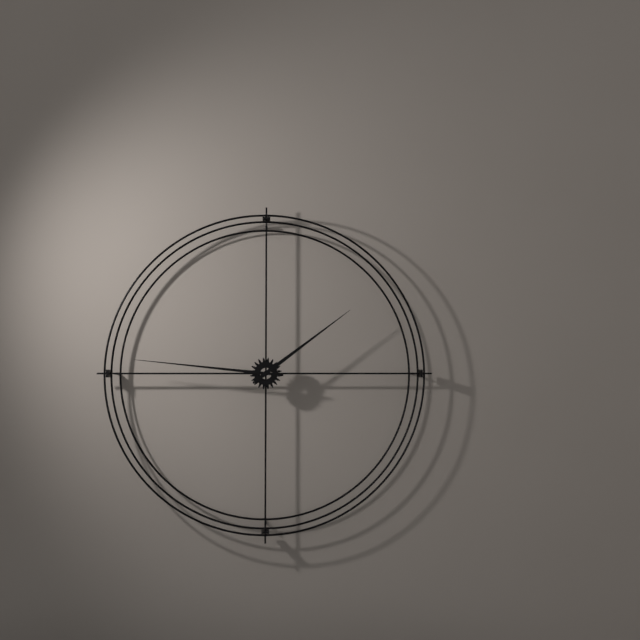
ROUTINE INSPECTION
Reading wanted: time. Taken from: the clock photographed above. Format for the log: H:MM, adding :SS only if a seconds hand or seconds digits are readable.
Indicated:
1:46
